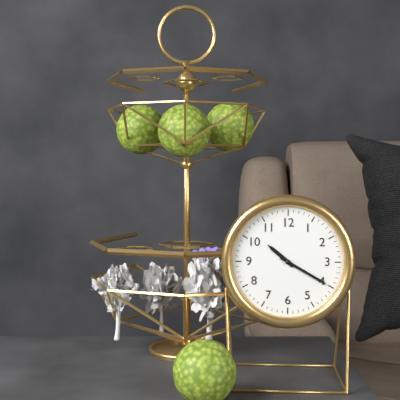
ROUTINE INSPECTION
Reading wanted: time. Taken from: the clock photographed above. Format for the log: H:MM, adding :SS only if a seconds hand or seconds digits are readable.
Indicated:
10:20
